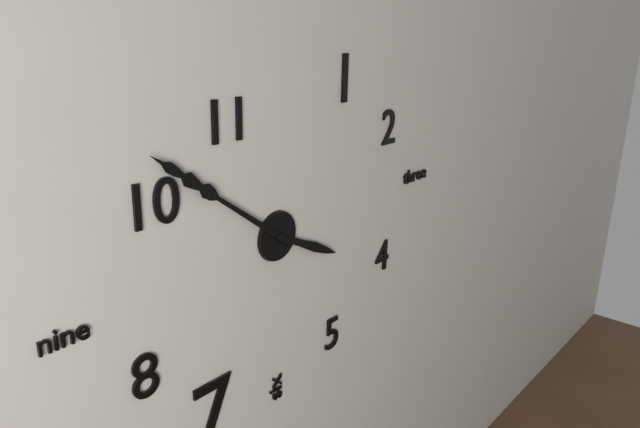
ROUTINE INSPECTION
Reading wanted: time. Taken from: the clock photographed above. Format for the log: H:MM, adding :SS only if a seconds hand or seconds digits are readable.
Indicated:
3:51
